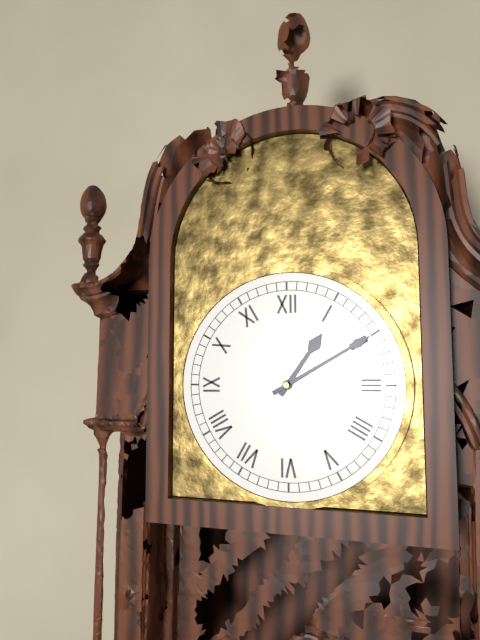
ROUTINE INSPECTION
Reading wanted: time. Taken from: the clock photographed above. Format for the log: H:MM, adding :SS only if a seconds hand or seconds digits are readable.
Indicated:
1:10
